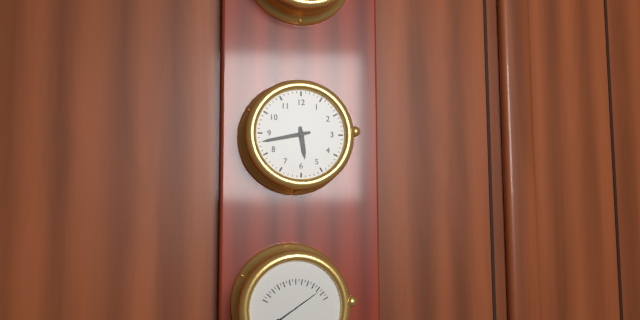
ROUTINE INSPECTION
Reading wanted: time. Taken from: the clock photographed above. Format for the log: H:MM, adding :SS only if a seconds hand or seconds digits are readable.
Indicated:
5:43
